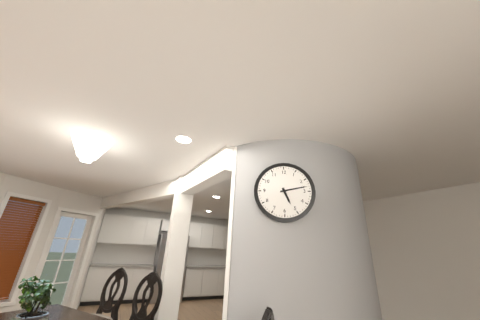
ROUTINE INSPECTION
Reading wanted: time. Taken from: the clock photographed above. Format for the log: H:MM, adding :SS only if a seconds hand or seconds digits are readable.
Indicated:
5:13
